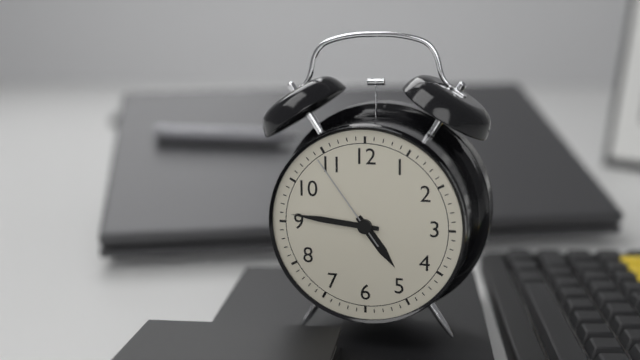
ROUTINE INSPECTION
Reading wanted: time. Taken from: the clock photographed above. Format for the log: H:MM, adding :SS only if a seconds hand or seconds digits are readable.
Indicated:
4:46:54
